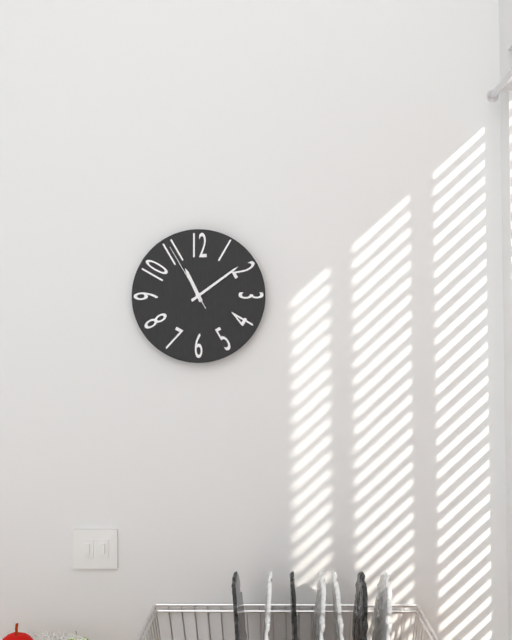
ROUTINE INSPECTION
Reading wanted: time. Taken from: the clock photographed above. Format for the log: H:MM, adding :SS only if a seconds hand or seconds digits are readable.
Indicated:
11:09:55
